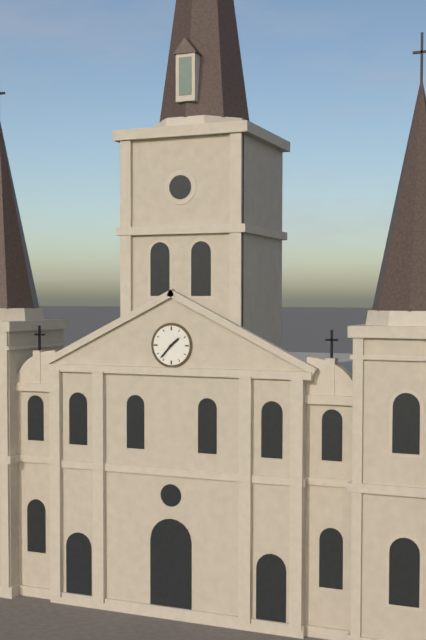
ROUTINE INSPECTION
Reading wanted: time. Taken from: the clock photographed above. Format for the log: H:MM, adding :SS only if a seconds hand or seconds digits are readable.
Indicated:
1:37
